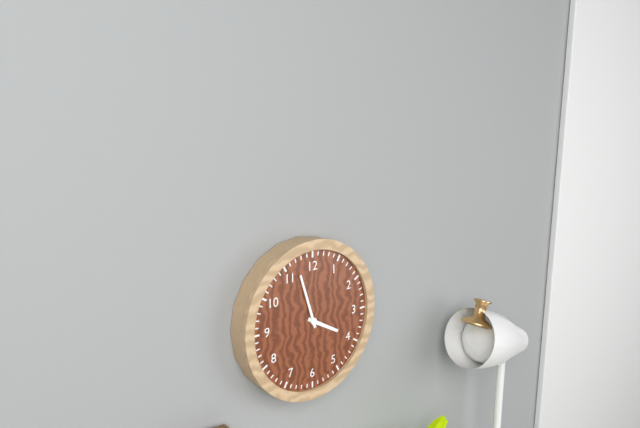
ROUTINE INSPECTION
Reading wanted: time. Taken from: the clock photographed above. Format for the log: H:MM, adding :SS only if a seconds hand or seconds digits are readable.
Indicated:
3:57
